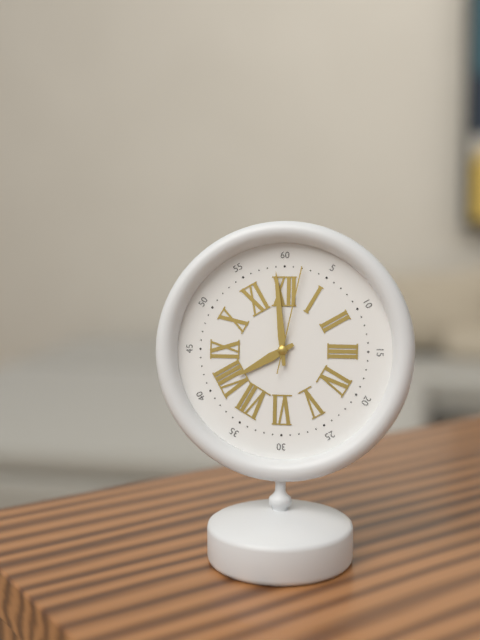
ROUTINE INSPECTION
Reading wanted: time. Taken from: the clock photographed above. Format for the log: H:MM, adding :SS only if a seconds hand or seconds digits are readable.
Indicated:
7:59:02
